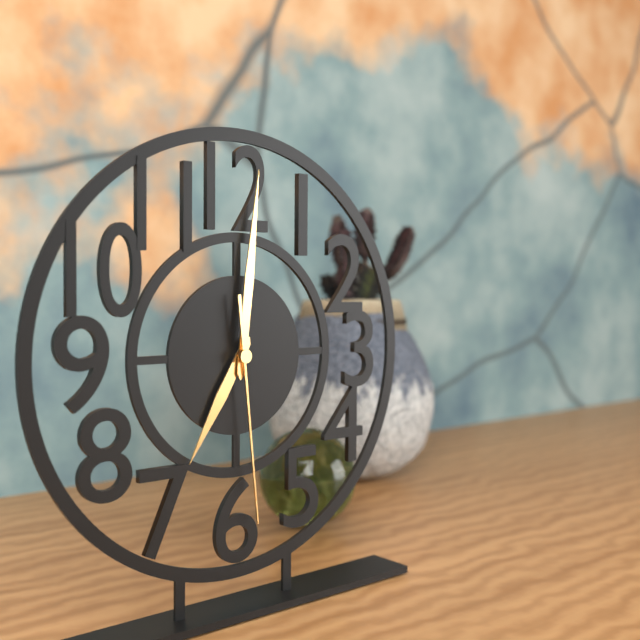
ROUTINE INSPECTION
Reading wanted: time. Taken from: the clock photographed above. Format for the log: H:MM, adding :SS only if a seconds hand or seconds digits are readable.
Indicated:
7:01:29
